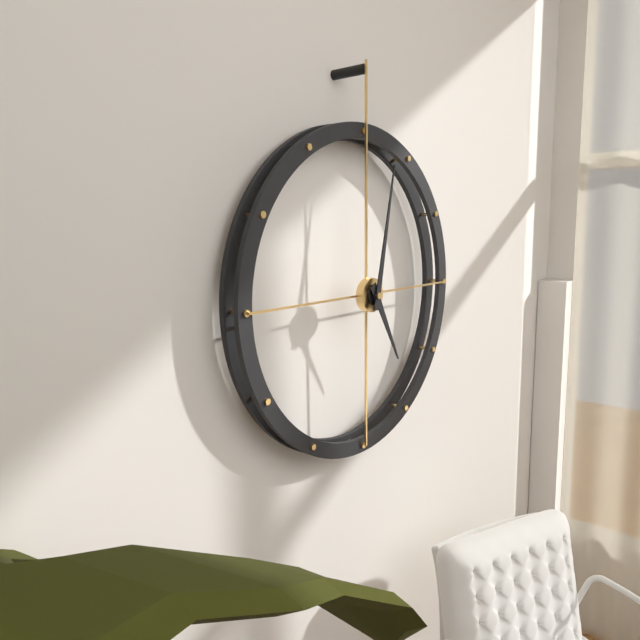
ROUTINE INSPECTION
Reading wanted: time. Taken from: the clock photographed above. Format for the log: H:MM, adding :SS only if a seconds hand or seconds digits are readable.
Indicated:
5:02
